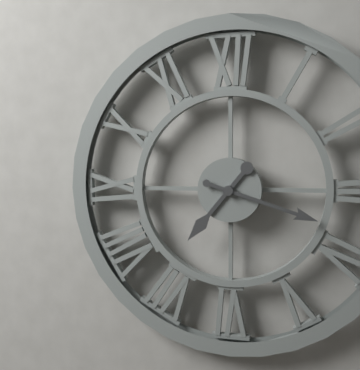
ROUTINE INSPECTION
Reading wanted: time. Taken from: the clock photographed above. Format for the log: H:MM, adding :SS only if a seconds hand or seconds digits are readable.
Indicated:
7:18
